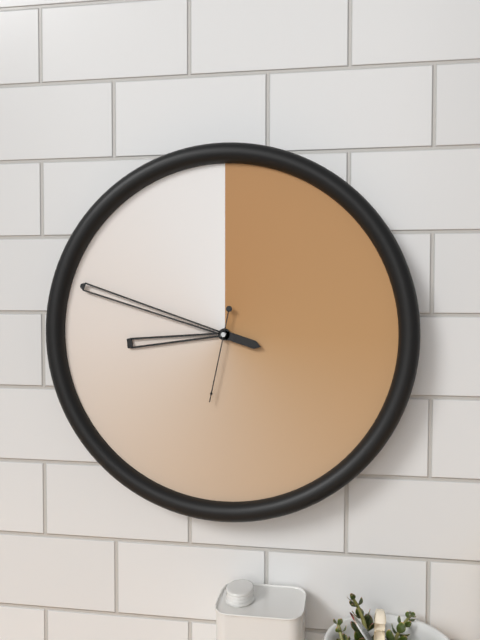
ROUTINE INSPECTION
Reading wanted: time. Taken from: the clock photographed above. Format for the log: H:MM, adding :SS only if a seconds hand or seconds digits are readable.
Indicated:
8:48:32
